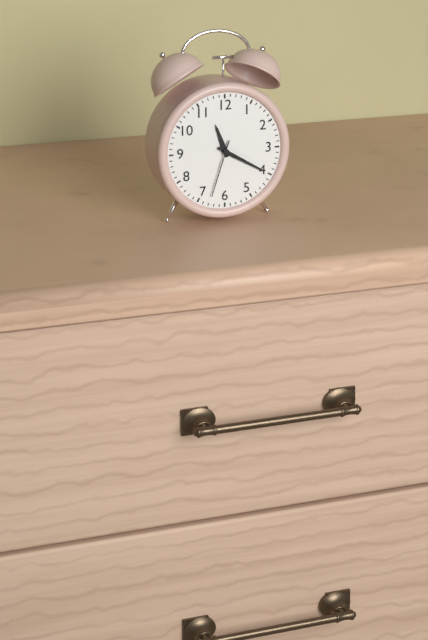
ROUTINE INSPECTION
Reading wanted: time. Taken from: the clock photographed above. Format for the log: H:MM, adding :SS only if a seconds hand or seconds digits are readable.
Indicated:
11:20:33
